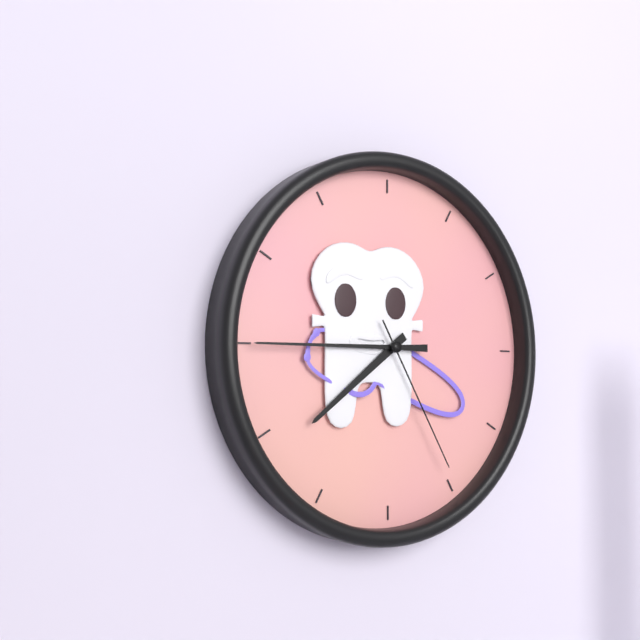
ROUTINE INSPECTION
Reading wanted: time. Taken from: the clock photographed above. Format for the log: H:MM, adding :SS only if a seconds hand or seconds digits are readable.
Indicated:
7:45:25
